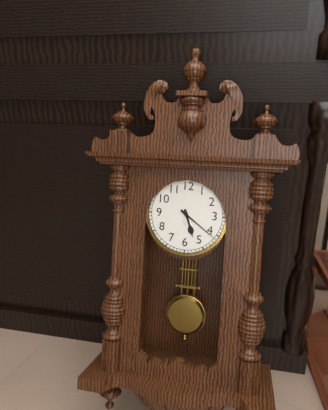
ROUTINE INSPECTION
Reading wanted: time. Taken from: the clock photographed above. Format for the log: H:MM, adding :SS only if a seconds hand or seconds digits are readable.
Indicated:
5:21
